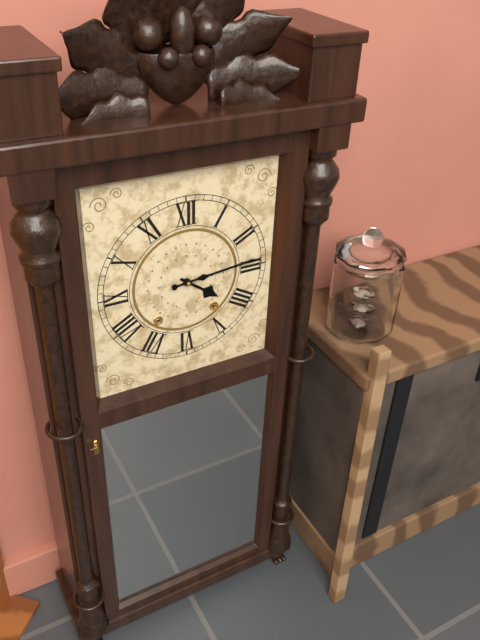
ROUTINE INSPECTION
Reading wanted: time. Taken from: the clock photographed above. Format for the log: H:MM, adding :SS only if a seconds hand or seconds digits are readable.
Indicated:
4:14
